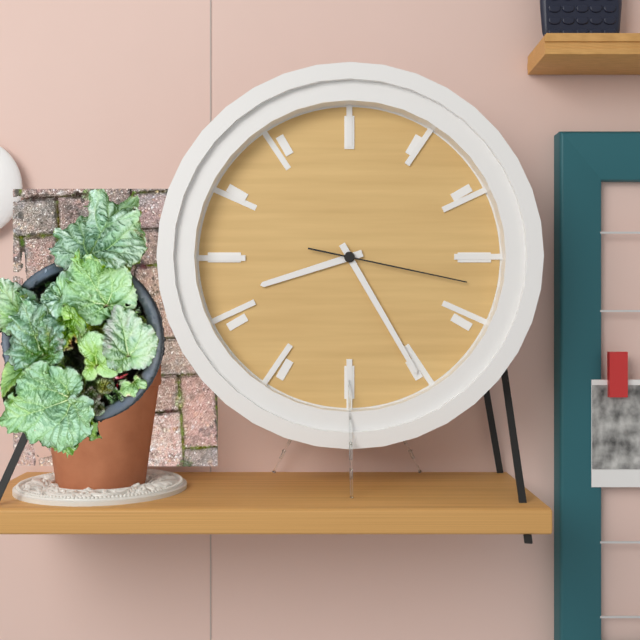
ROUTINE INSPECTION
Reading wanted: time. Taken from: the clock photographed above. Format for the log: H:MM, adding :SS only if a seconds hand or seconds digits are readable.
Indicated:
8:25:17
